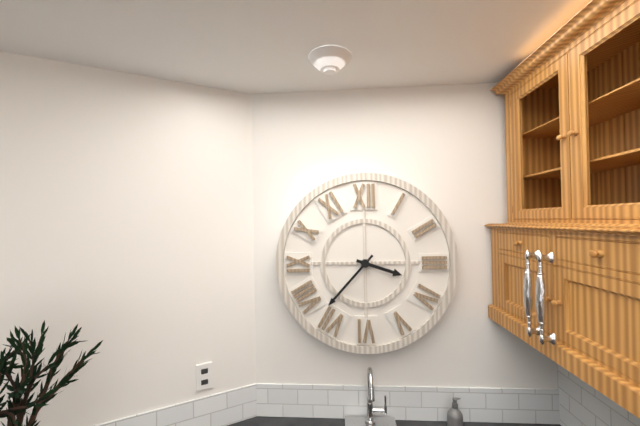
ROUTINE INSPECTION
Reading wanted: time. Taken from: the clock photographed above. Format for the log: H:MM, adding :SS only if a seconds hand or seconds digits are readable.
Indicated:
3:37
